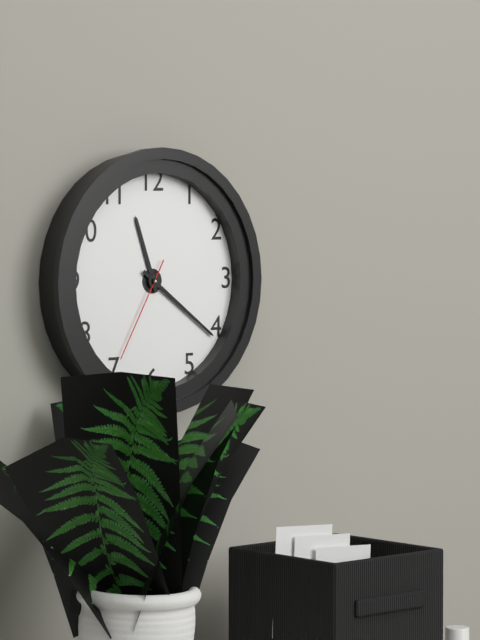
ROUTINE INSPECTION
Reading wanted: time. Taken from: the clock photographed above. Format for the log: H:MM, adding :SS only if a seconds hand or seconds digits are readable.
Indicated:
11:21:35
